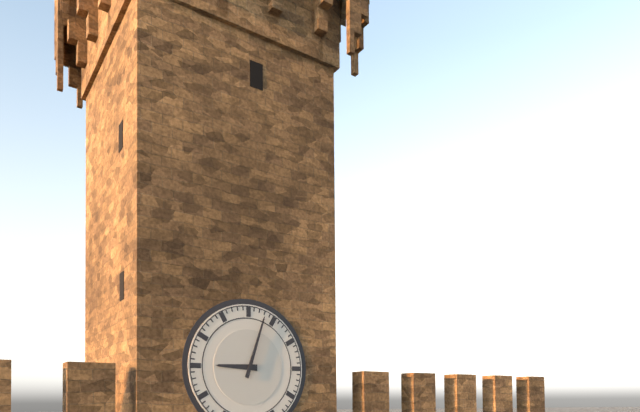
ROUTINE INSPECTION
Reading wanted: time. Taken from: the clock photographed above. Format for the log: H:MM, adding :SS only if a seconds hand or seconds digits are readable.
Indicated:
9:03
